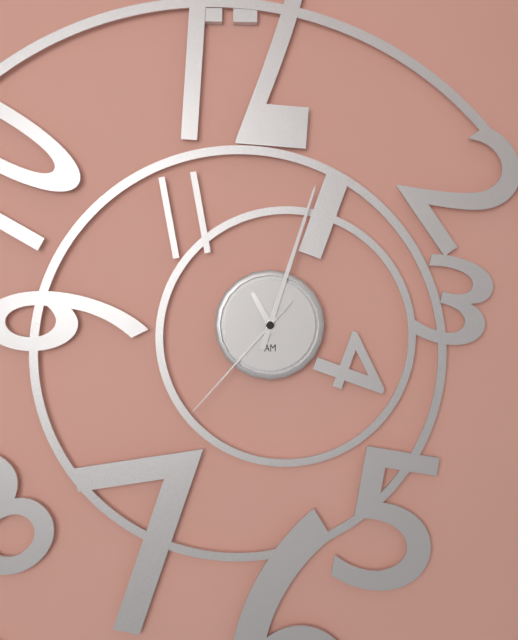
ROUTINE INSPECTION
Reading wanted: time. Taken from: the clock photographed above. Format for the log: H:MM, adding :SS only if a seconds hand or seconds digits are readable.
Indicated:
11:03:37
